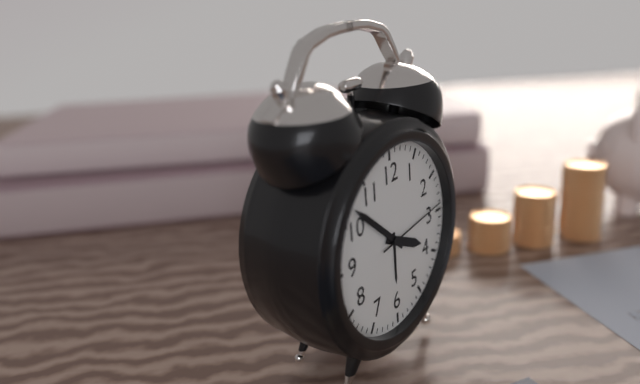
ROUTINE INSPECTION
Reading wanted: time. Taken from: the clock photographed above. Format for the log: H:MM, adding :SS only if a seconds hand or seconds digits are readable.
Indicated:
3:52:14
